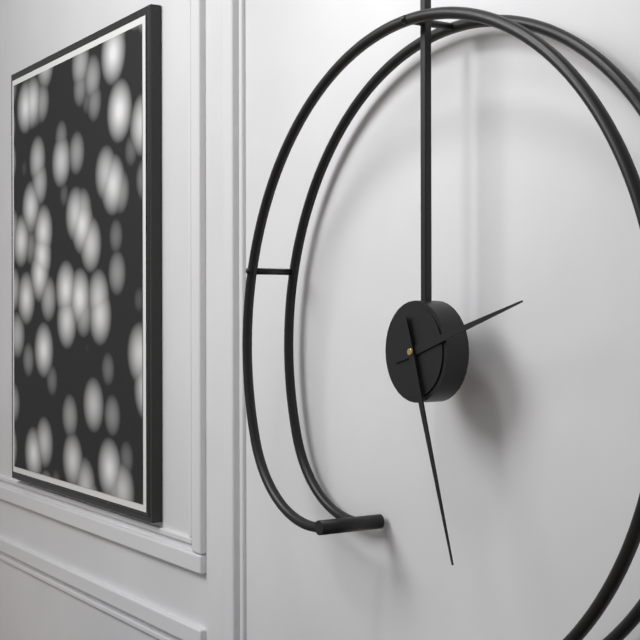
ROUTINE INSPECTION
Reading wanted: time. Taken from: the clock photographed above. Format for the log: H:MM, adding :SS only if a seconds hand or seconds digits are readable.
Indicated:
2:27
